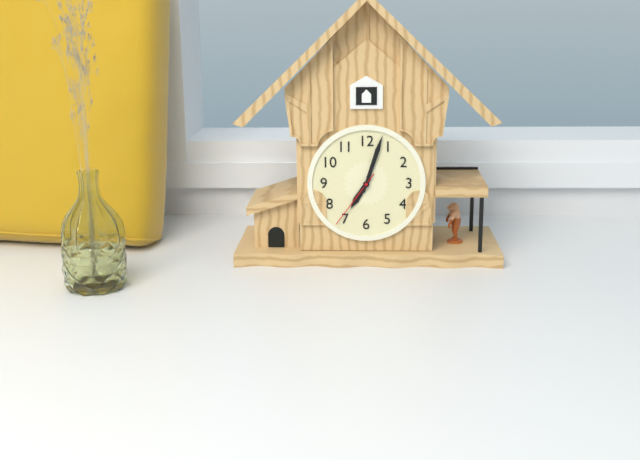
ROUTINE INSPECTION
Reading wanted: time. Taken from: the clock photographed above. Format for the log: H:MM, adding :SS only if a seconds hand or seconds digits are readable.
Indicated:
7:03:36
